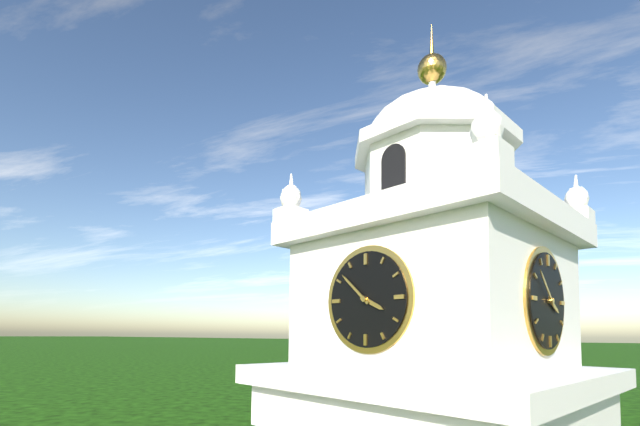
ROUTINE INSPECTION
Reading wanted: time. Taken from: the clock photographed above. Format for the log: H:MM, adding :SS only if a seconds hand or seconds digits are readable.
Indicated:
3:52
